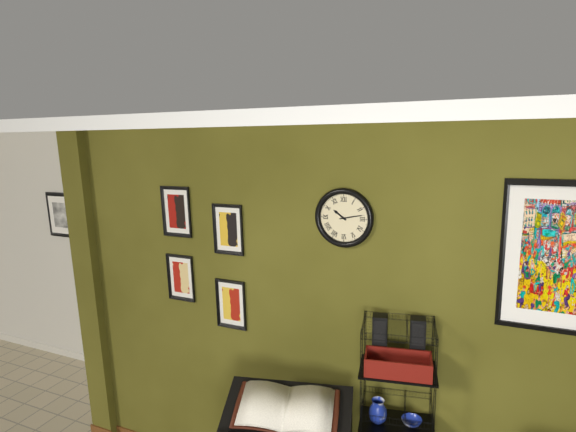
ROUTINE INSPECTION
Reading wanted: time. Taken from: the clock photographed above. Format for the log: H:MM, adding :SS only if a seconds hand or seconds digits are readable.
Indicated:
10:13
